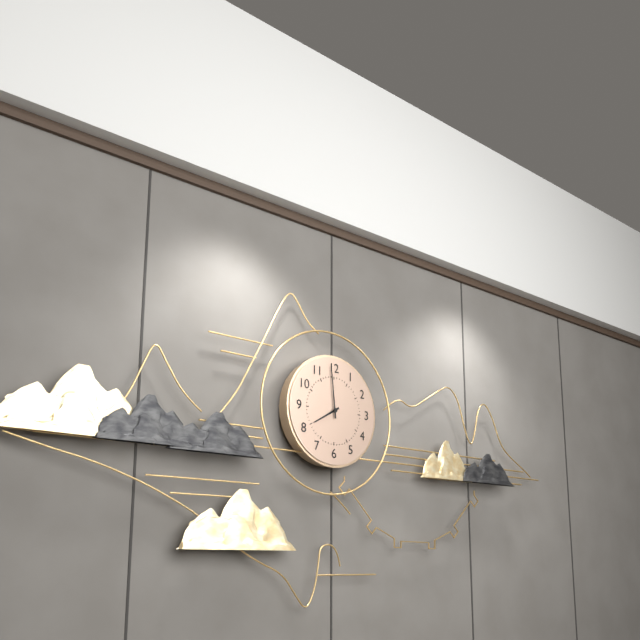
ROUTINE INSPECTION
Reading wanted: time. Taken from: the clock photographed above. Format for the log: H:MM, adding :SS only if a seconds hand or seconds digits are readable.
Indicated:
7:59
